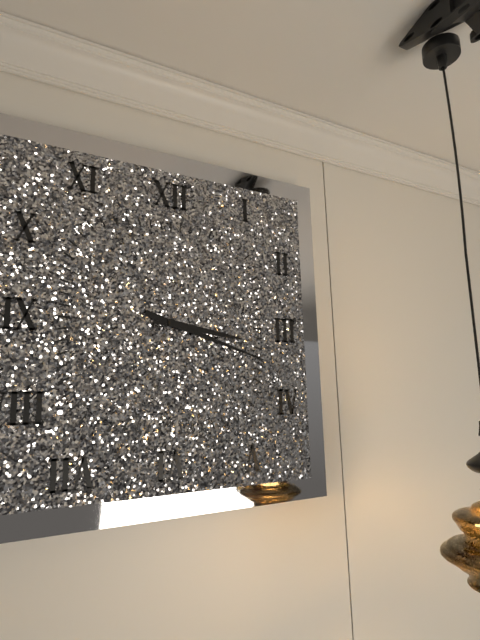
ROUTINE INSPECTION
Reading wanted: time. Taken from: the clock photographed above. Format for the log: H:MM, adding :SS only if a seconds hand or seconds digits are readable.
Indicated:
3:18
